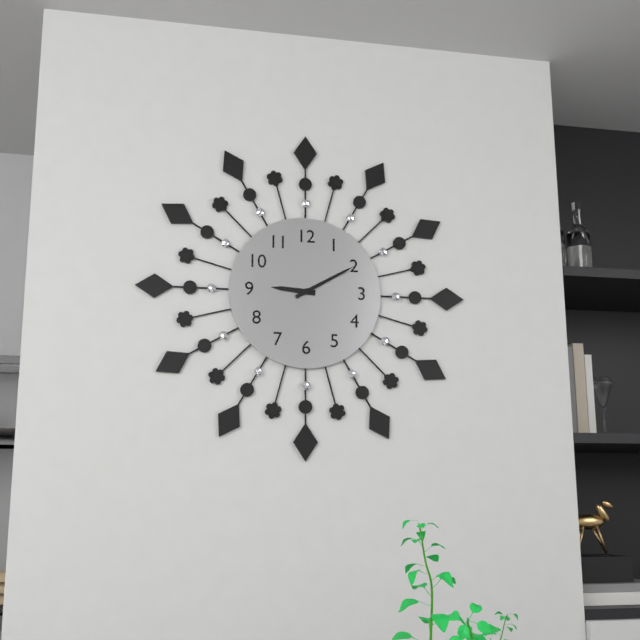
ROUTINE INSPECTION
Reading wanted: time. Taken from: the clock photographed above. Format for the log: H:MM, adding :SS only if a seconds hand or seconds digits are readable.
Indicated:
9:10
